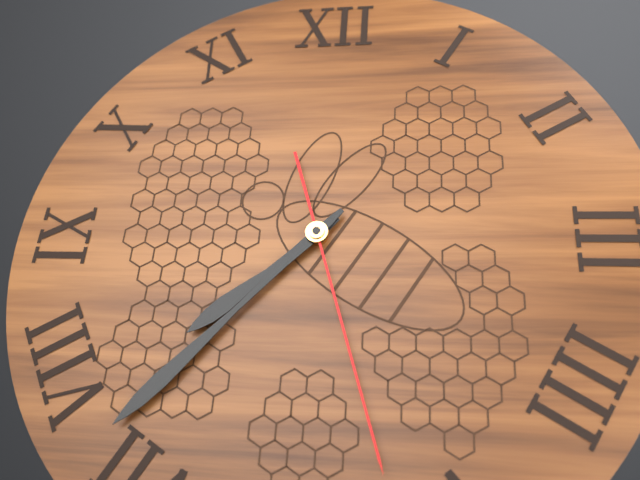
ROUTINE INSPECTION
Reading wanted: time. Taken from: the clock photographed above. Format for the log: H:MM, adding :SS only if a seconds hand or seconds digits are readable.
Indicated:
7:37:27
